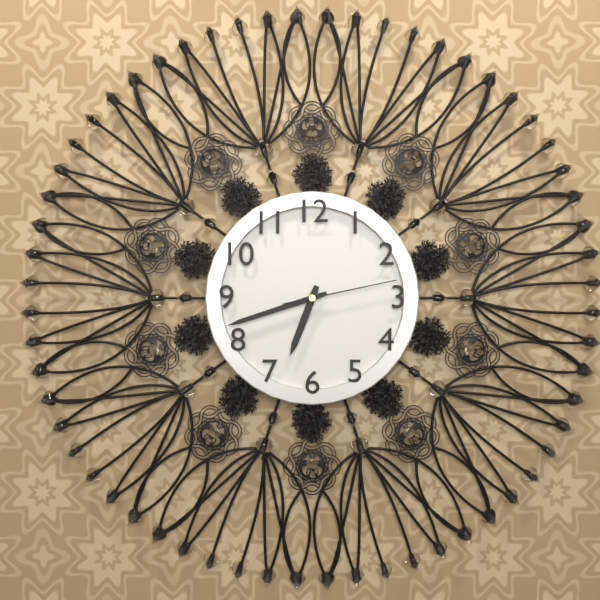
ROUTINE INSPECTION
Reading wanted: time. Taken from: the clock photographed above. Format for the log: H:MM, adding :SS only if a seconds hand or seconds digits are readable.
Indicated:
6:42:13
